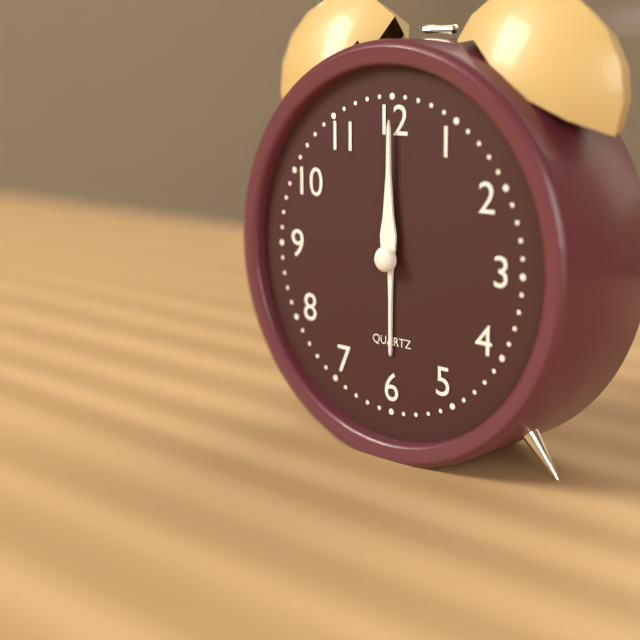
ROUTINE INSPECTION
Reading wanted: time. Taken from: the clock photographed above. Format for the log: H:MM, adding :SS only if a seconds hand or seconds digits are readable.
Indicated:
6:00
